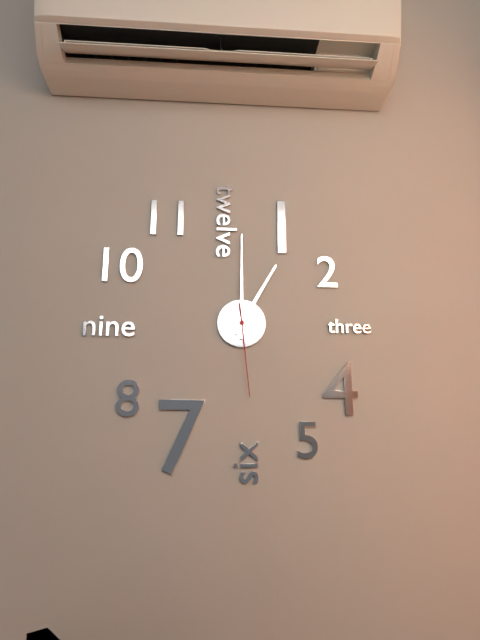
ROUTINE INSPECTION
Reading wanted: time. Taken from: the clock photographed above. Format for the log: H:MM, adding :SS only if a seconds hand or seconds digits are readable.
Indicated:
1:00:29
